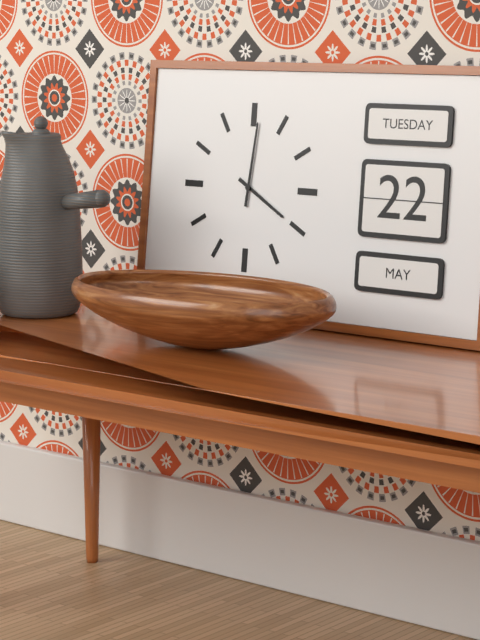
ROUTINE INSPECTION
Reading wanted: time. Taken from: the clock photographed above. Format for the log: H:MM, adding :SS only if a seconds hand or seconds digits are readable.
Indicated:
4:01
